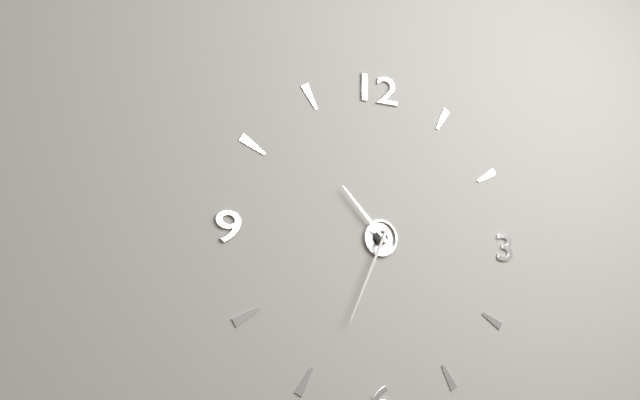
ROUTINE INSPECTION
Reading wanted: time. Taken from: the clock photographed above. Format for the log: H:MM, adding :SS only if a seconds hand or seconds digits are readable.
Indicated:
10:34
